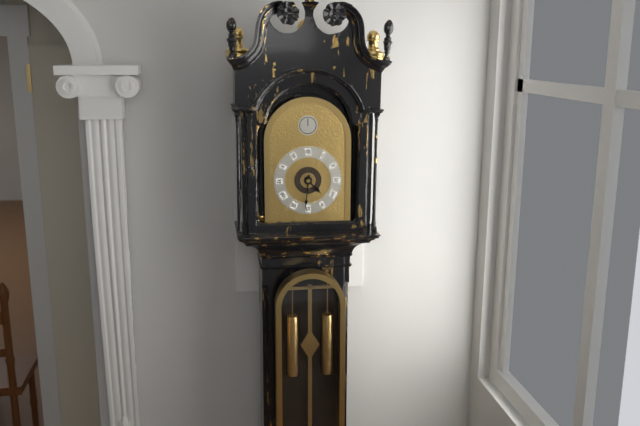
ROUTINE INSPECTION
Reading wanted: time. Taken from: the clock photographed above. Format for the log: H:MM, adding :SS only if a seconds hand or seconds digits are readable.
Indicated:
4:31
